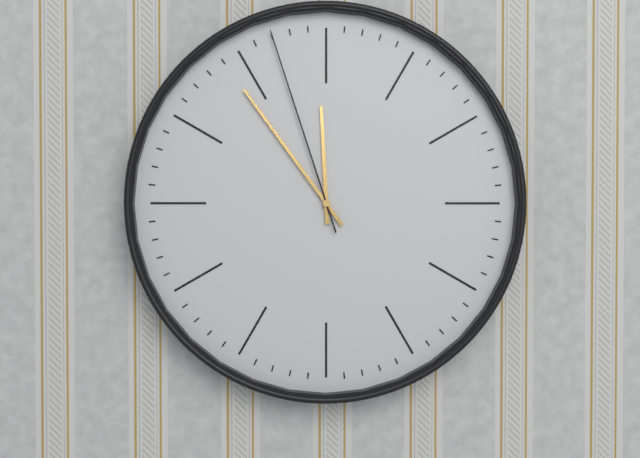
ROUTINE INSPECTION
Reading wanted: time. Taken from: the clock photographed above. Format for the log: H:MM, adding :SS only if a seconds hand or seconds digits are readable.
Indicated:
11:54:57
